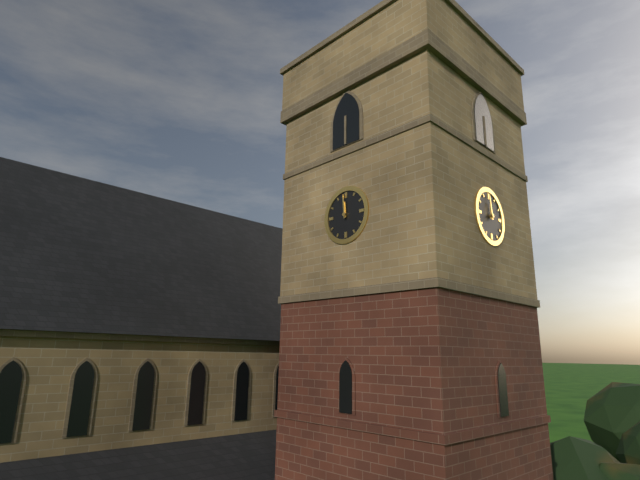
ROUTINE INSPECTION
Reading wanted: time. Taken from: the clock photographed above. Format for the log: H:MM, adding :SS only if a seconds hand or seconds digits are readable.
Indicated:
11:59
